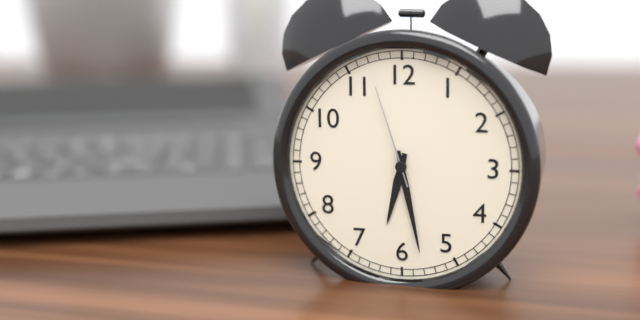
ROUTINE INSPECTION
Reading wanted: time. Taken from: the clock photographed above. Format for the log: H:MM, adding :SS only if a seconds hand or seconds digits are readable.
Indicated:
6:28:57
